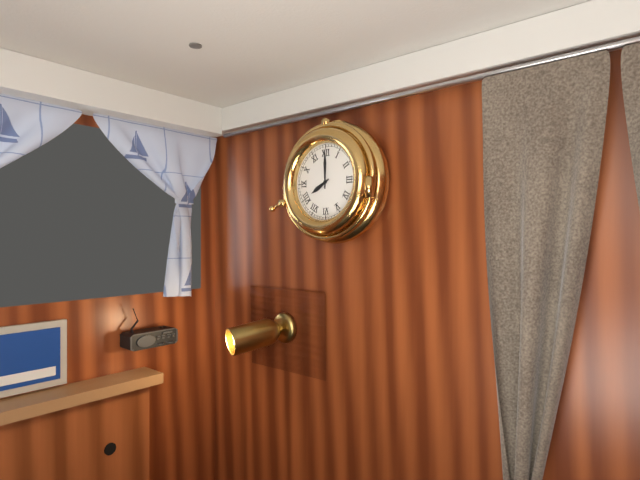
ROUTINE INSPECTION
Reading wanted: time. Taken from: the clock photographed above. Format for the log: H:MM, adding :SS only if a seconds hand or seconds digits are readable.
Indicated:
8:00
